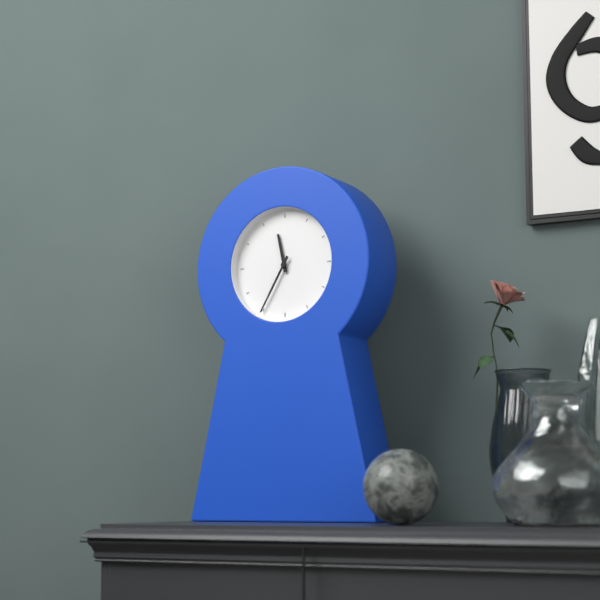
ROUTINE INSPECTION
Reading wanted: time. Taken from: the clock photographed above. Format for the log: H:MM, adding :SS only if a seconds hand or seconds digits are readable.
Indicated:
11:35
